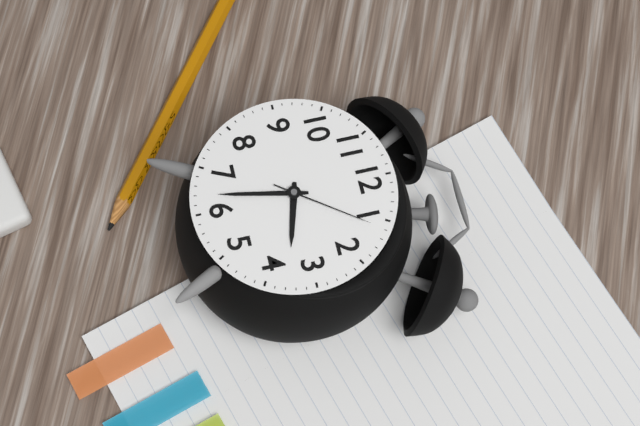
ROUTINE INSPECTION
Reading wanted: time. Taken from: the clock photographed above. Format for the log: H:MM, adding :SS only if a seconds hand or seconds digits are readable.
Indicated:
3:32:06
